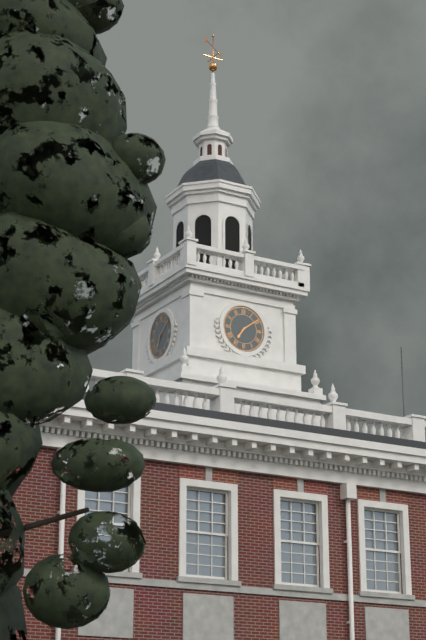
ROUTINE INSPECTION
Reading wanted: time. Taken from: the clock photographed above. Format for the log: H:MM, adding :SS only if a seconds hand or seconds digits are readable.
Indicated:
7:09
